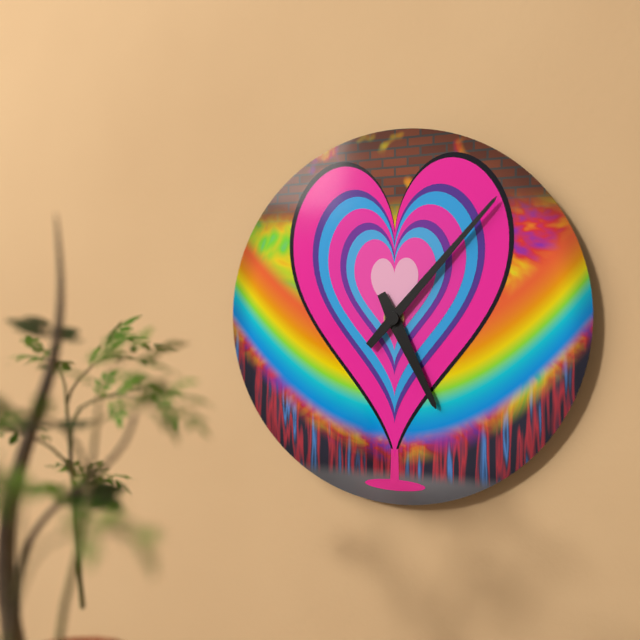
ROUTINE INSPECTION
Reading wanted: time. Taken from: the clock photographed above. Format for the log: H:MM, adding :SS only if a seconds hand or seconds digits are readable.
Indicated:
5:07
